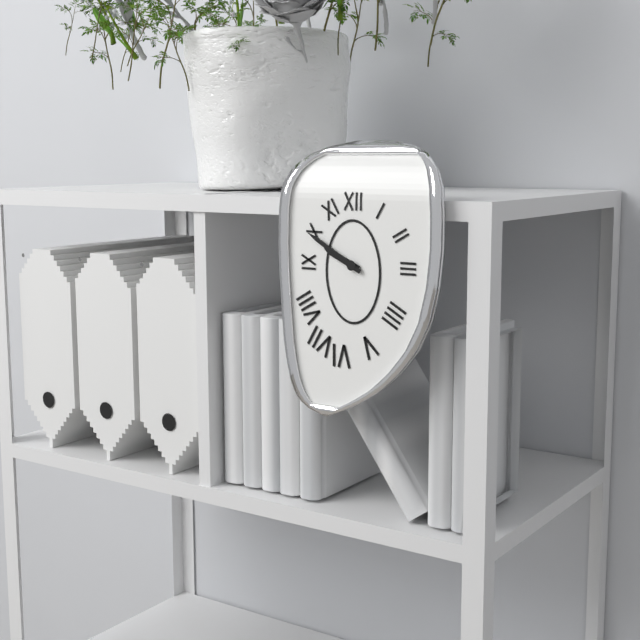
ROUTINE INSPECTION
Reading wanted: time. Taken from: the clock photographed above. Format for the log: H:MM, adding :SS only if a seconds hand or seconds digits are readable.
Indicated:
9:50
